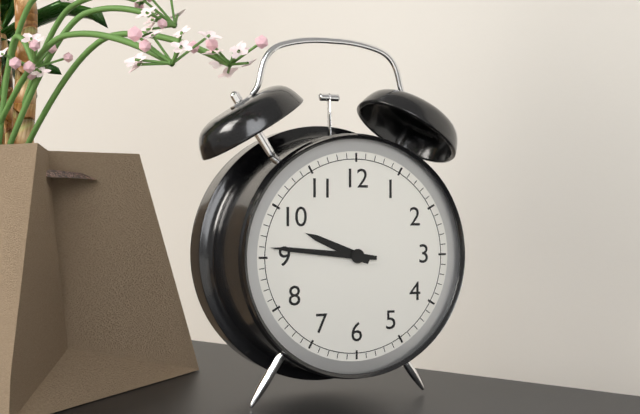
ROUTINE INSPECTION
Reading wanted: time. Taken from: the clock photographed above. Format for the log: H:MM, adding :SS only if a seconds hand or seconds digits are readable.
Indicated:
9:46
